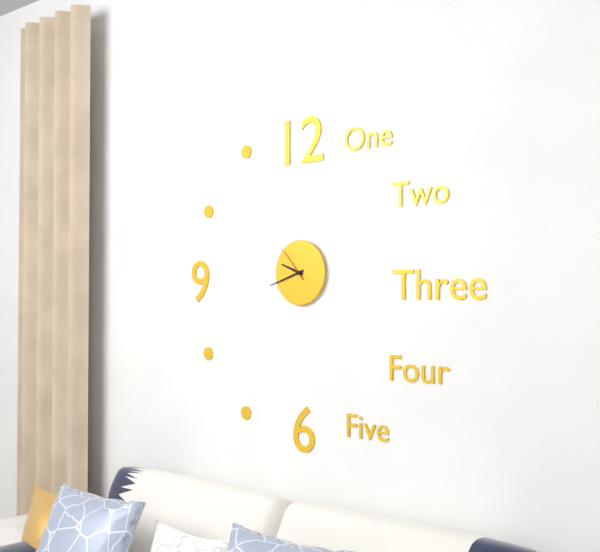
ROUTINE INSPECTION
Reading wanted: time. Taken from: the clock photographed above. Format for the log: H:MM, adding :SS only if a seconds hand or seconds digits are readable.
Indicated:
9:42
